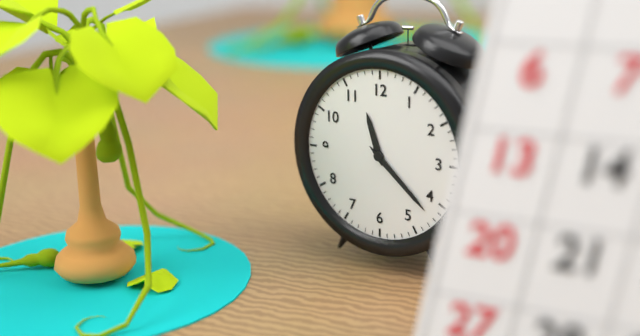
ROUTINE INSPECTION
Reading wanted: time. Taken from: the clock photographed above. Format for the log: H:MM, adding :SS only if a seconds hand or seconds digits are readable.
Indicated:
11:22
